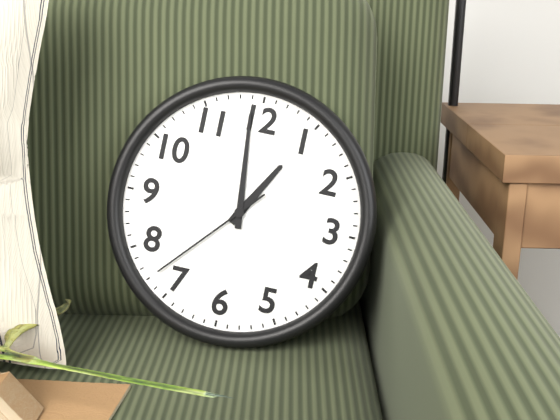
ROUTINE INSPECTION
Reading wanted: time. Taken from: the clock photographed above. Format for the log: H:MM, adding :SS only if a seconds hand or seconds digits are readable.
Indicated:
12:59:37
